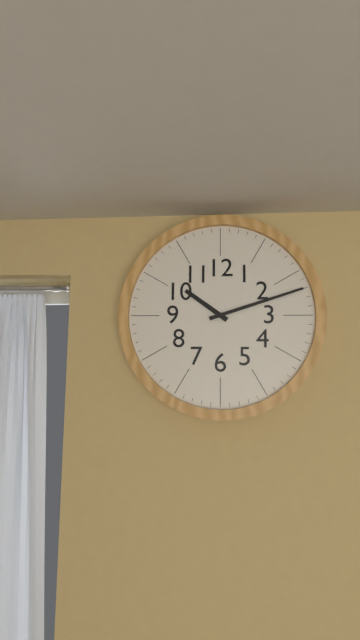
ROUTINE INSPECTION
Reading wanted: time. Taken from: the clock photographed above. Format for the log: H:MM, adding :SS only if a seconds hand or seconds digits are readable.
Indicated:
10:12
